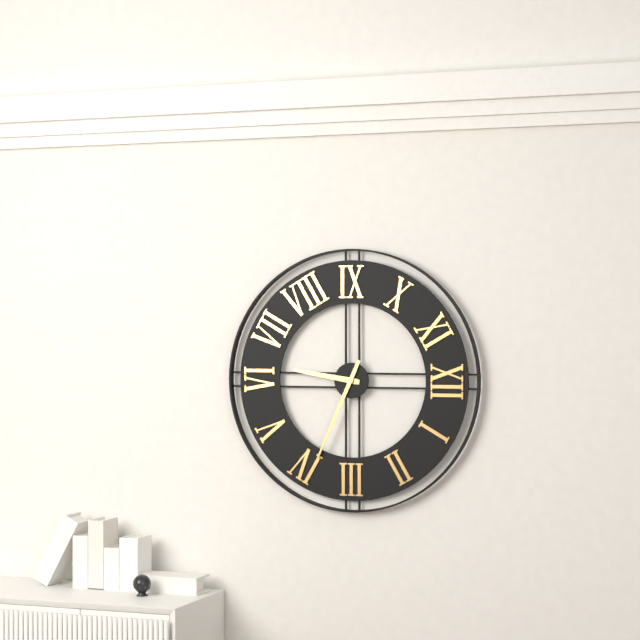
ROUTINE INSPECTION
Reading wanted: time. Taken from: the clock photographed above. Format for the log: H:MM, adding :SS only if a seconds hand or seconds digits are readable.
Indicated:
6:19
